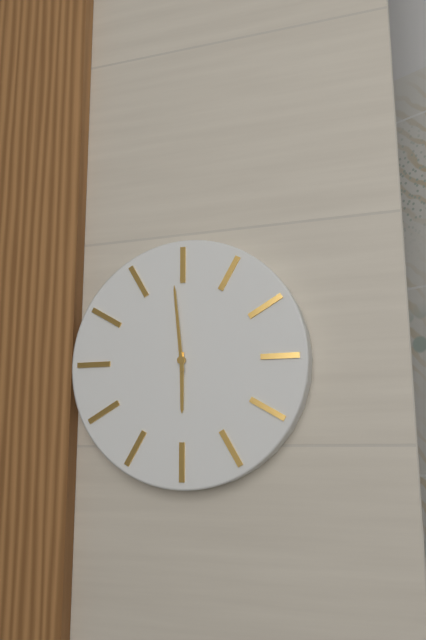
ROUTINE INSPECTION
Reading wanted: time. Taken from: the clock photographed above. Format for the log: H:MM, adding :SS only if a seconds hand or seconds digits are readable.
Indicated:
5:59
